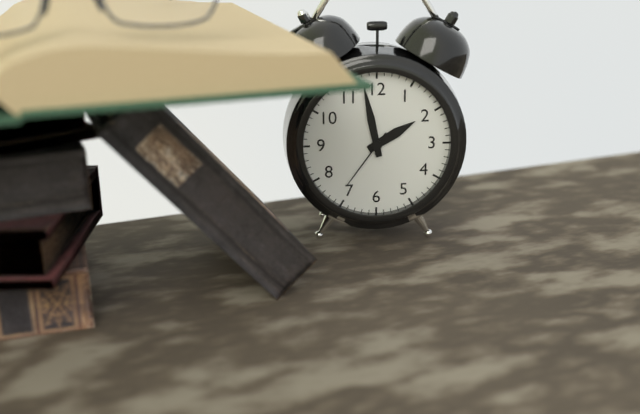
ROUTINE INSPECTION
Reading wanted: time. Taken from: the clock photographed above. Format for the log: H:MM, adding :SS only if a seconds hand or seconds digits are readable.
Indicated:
1:58:36
